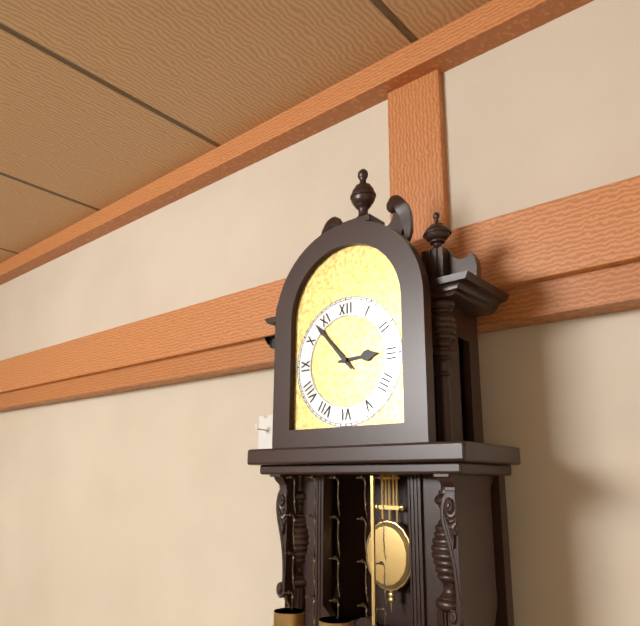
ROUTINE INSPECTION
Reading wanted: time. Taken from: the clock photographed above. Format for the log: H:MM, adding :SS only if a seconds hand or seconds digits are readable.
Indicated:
2:53
